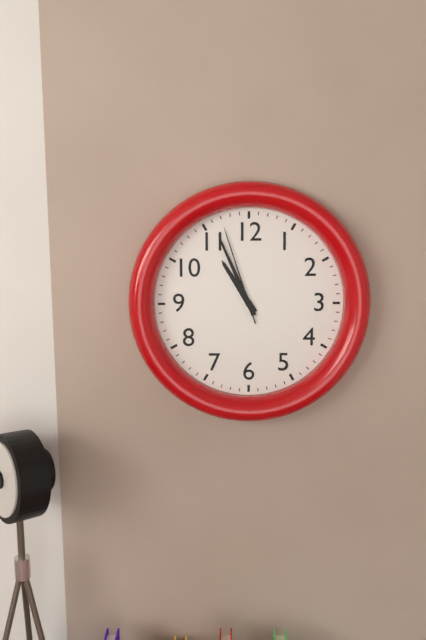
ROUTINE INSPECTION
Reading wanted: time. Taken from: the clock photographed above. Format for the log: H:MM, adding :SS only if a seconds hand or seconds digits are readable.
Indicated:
10:56:57
